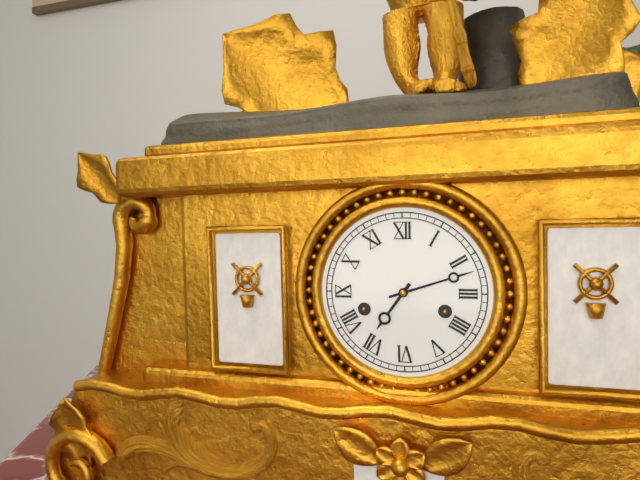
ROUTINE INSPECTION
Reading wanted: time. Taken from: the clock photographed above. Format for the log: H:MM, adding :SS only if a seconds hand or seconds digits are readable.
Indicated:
7:12
